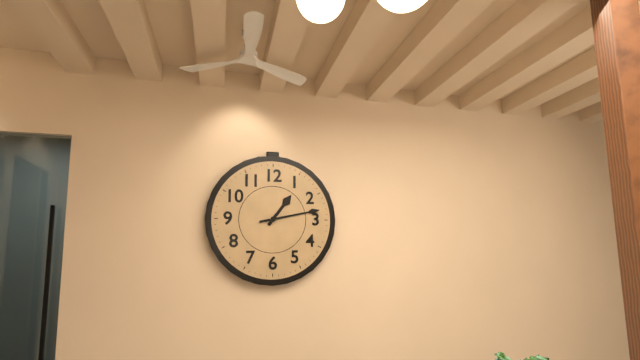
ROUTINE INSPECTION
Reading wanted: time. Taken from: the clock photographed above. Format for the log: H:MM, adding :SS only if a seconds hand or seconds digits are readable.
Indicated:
1:13
